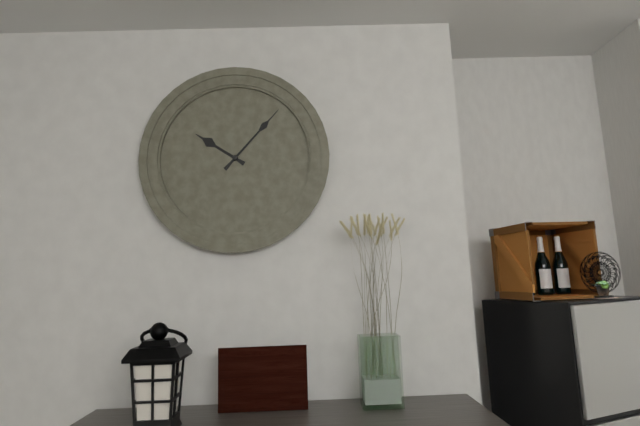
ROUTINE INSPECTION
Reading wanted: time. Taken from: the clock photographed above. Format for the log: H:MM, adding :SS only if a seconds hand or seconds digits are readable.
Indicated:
10:07
